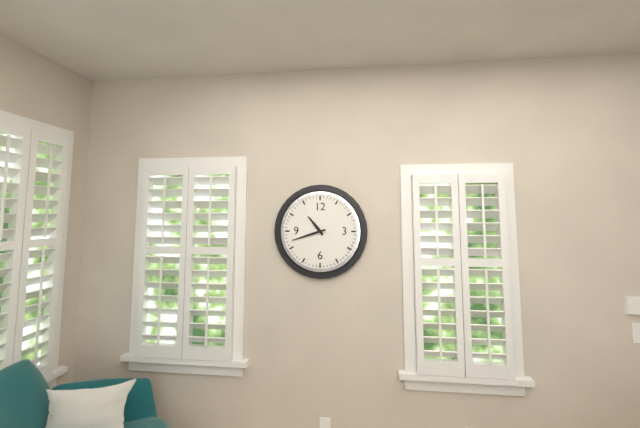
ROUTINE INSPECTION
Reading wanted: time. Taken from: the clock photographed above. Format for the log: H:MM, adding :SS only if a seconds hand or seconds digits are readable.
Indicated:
10:42
